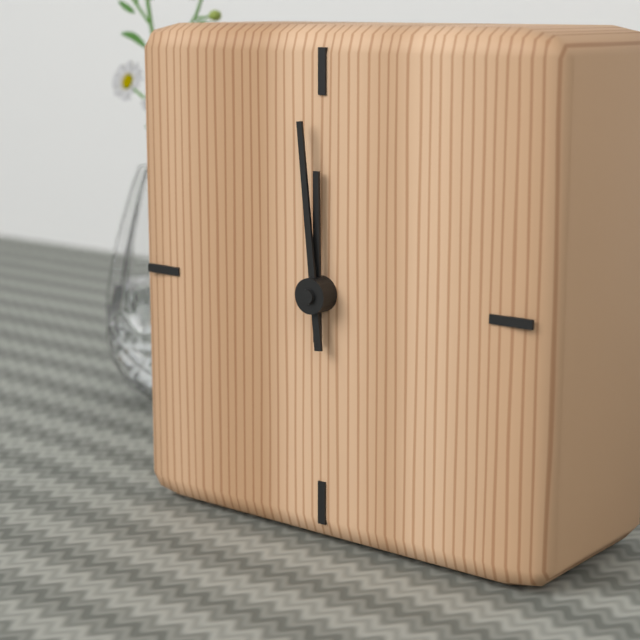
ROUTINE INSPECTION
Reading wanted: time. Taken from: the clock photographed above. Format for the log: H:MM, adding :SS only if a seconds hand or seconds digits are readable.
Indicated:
11:59
